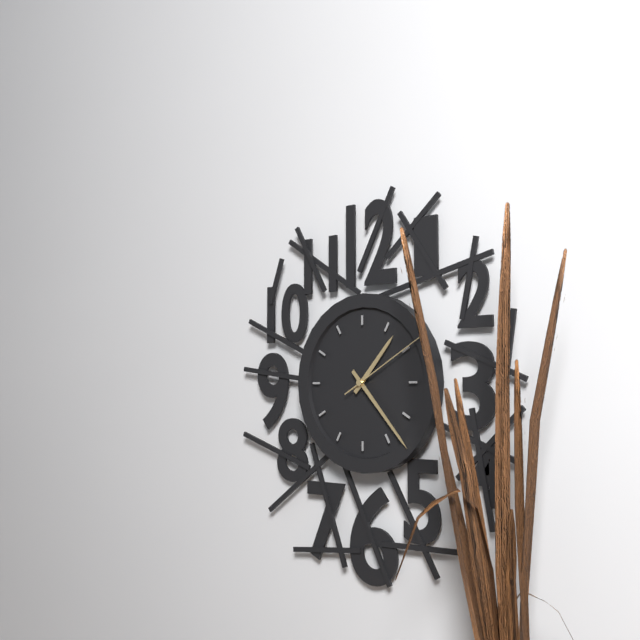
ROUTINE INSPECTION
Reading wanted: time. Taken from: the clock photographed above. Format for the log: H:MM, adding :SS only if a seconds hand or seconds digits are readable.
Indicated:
1:23:10
